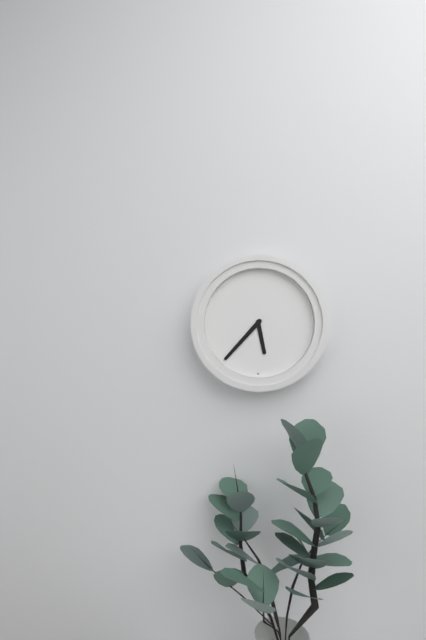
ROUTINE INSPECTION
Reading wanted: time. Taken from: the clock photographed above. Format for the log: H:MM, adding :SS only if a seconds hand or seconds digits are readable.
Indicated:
5:37
